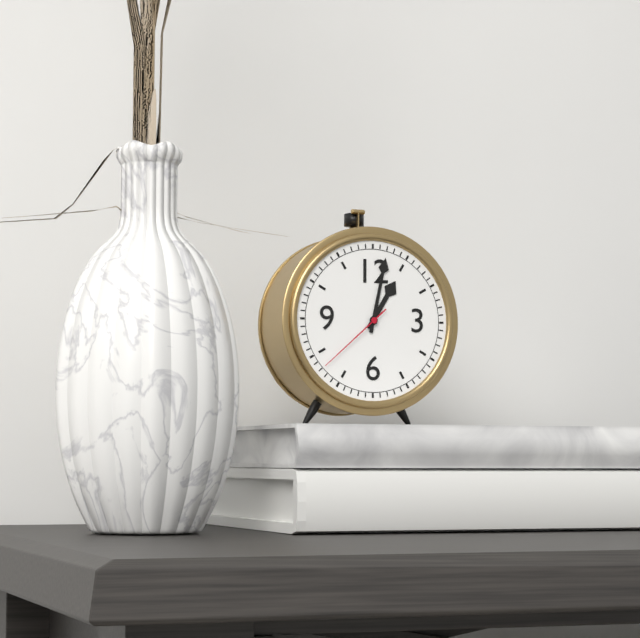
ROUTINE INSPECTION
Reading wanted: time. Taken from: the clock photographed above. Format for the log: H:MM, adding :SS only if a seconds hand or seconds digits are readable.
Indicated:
1:02:38
